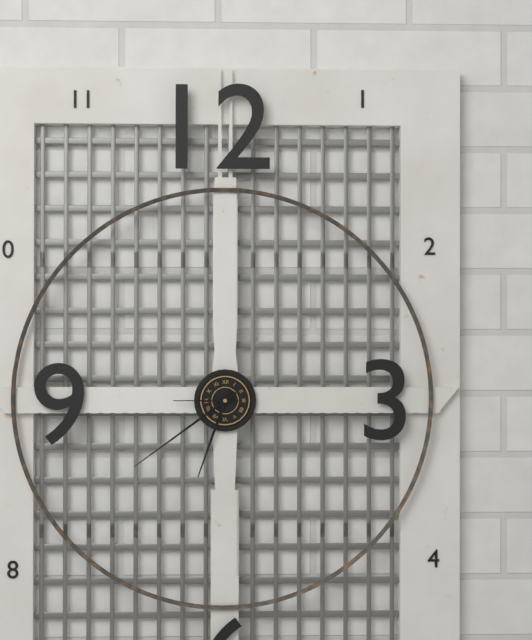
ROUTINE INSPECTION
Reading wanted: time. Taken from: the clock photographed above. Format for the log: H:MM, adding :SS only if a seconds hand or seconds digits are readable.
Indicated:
6:39:45
